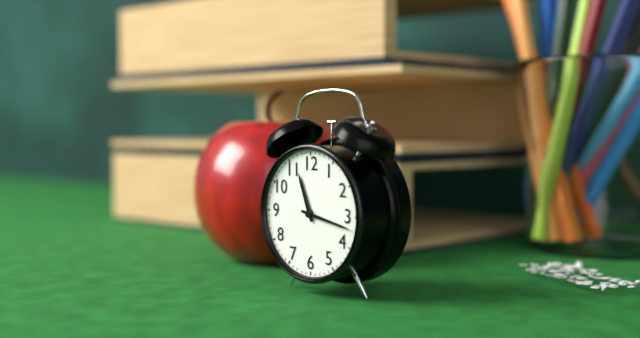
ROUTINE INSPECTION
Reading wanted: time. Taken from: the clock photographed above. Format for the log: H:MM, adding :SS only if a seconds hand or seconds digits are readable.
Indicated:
11:17
